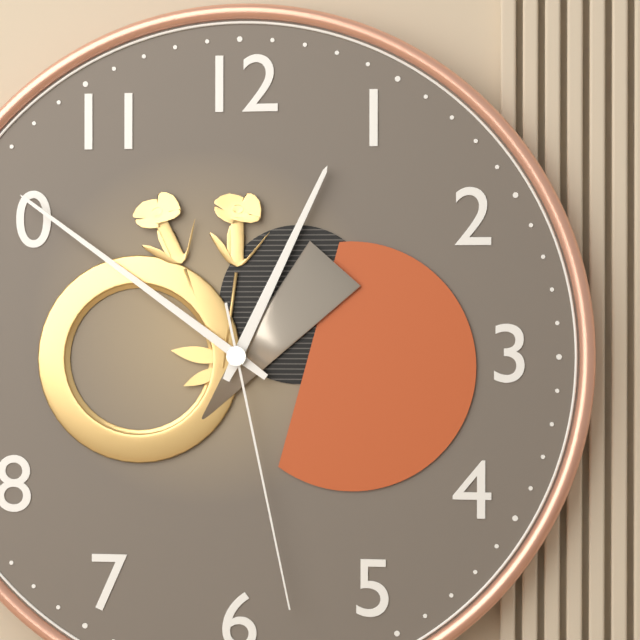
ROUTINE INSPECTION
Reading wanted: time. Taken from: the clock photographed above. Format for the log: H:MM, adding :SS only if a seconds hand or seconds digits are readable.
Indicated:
12:51:28
